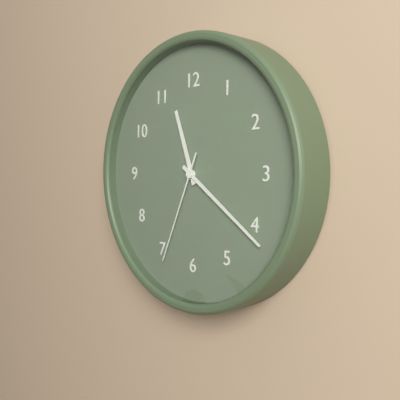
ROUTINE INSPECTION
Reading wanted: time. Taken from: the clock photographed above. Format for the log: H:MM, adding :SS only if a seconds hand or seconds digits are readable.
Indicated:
11:21:34
